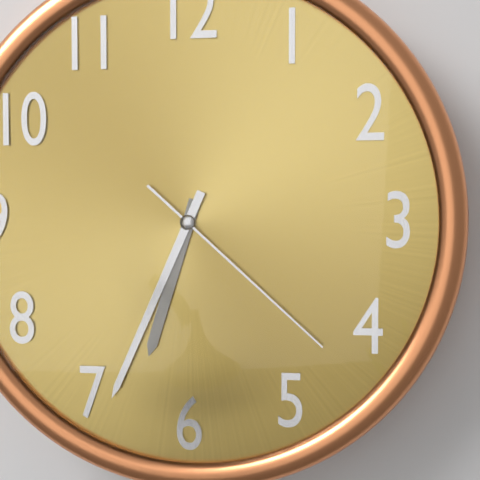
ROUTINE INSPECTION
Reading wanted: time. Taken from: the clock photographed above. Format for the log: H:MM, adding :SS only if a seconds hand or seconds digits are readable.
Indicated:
6:34:22
